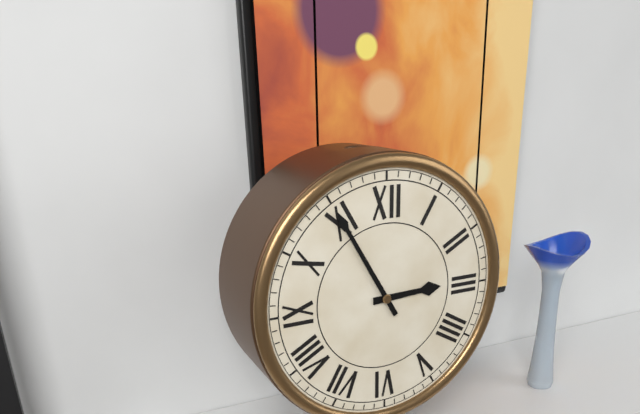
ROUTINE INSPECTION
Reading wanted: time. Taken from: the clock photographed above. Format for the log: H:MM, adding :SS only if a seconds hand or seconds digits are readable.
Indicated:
2:55
